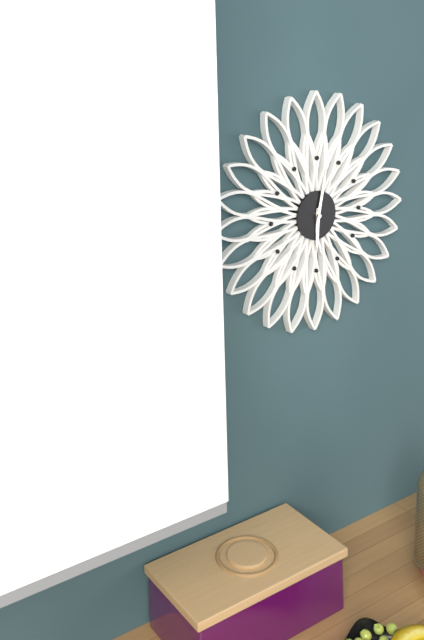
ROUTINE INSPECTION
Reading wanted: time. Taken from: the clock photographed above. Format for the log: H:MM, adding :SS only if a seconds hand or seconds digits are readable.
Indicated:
6:02
